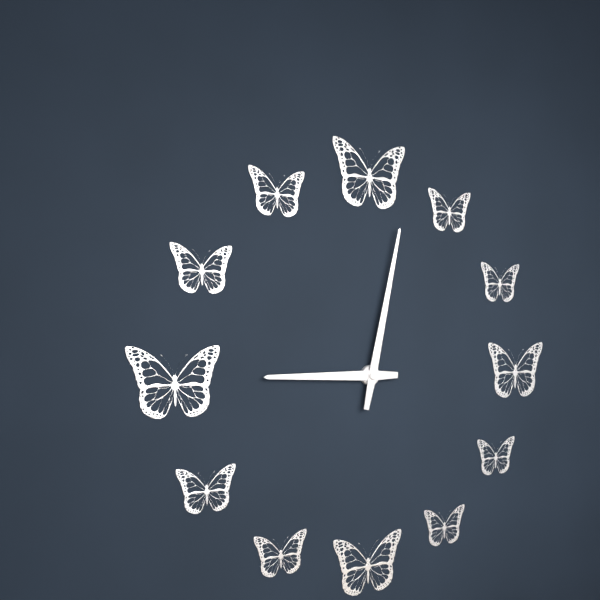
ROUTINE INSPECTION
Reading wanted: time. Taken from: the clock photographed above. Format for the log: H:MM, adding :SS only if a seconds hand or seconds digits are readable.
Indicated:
9:02
